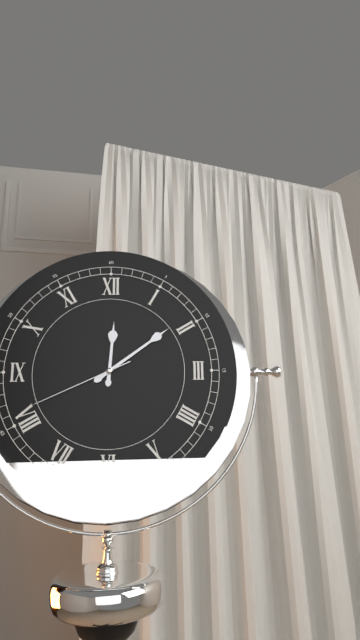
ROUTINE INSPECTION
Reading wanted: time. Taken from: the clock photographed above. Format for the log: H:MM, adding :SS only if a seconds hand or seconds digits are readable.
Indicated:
12:09:41
